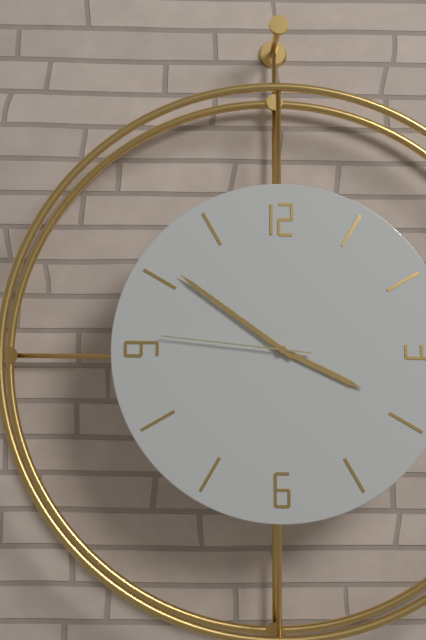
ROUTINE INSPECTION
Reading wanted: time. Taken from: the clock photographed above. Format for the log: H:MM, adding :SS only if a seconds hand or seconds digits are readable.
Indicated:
3:51:46
